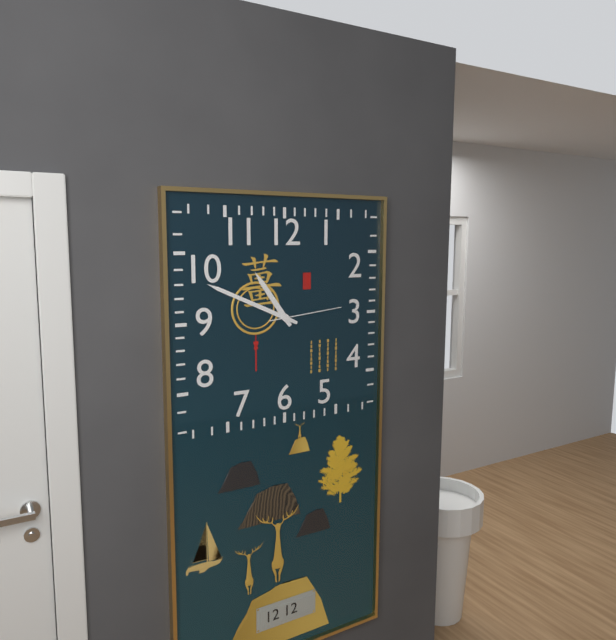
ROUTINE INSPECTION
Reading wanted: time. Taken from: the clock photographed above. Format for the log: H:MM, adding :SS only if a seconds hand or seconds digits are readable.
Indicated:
10:49:14
